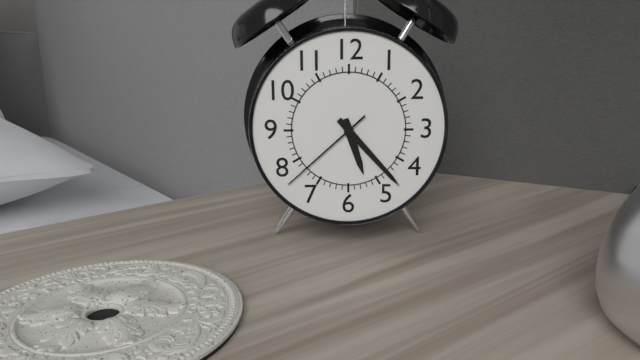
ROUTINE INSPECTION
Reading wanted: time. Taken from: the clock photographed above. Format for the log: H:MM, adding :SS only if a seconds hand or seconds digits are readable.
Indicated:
5:23:38
